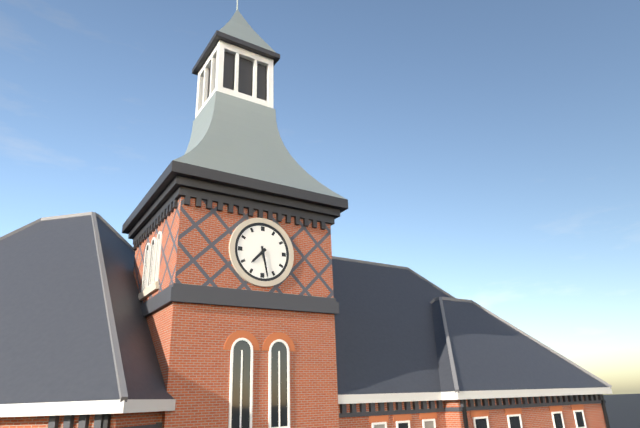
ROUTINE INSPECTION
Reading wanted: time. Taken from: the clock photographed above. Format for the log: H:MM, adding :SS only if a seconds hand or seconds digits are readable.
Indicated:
7:28
